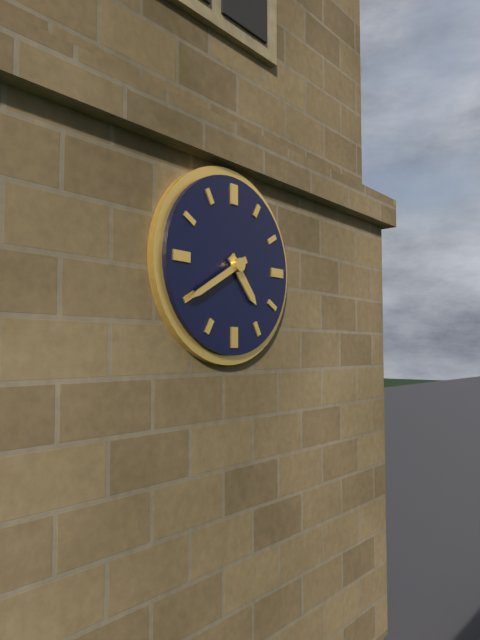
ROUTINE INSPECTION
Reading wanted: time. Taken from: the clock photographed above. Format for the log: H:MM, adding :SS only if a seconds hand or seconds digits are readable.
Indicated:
4:40
